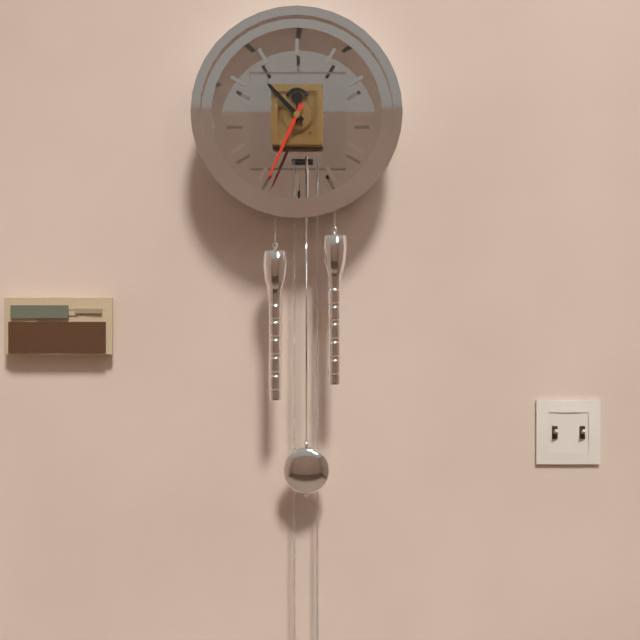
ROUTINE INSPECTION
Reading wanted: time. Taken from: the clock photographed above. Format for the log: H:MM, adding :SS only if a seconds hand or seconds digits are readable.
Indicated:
10:34
